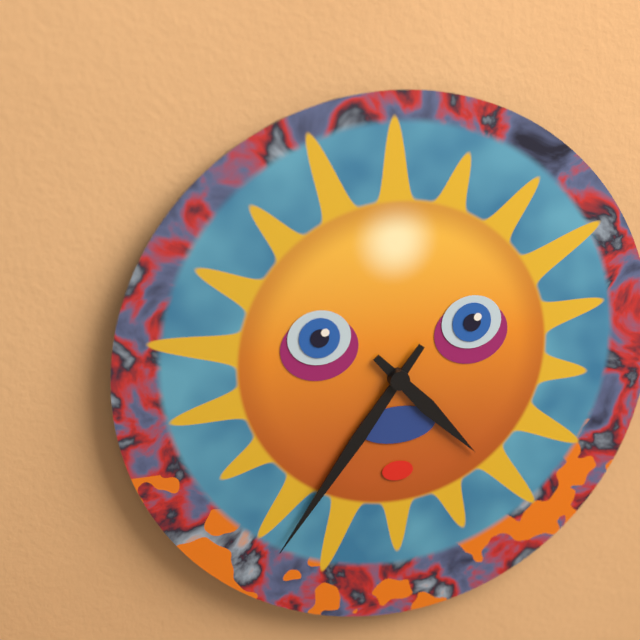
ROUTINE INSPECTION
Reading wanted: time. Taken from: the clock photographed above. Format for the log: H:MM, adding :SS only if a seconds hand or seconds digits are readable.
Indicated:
4:36
